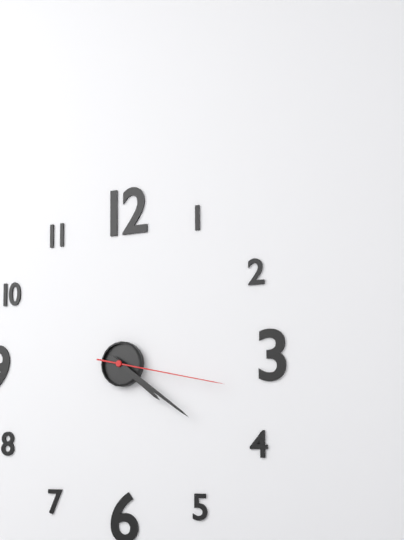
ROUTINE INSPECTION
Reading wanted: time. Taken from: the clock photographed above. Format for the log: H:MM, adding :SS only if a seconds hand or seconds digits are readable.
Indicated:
4:21:17
